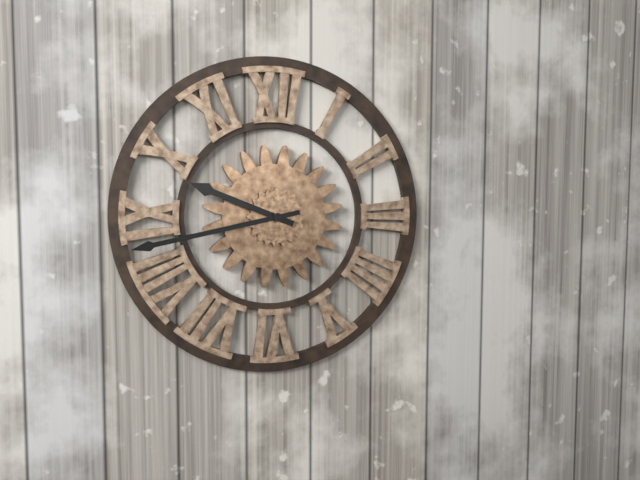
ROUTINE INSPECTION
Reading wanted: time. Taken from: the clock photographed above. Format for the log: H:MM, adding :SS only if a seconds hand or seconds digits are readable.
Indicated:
9:43
